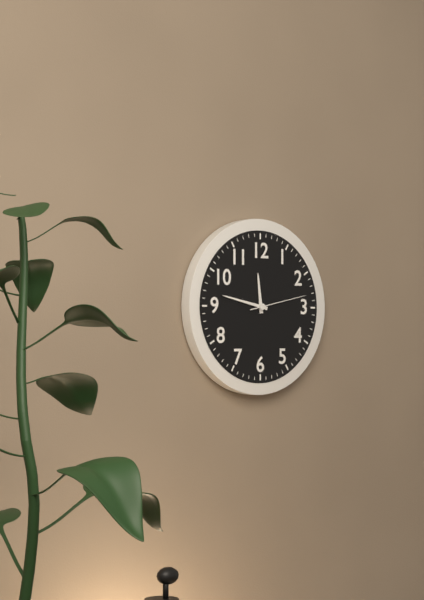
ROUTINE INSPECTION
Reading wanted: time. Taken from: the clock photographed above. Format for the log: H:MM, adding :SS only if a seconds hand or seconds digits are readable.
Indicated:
11:47:13
